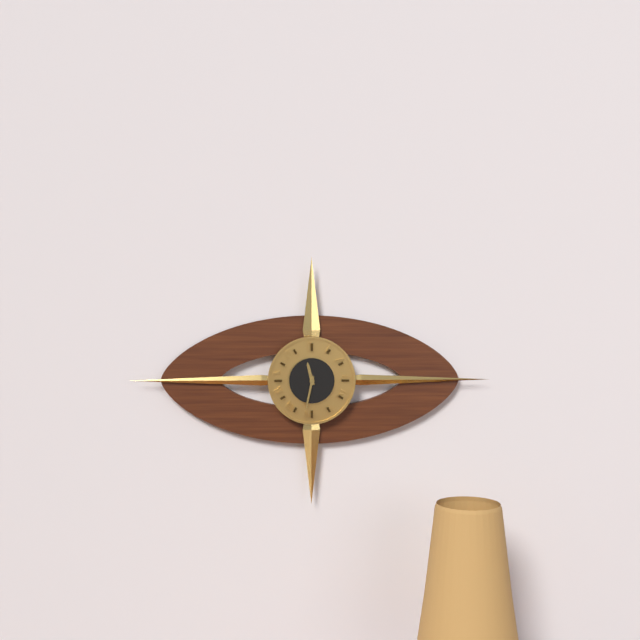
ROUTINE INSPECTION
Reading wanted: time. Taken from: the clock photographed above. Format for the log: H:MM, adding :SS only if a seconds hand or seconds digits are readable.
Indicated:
11:32
